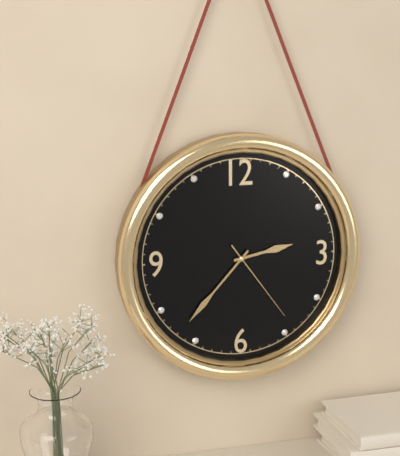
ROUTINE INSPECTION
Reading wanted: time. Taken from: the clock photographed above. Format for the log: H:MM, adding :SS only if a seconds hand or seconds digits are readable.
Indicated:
2:37:24
